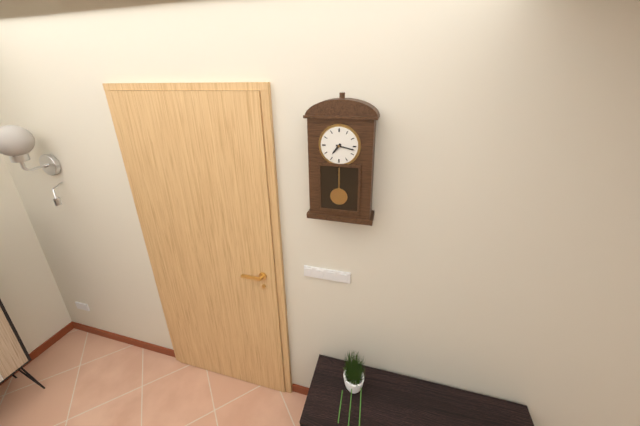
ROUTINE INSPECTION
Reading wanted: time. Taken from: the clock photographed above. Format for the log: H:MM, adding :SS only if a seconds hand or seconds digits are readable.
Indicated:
7:17
